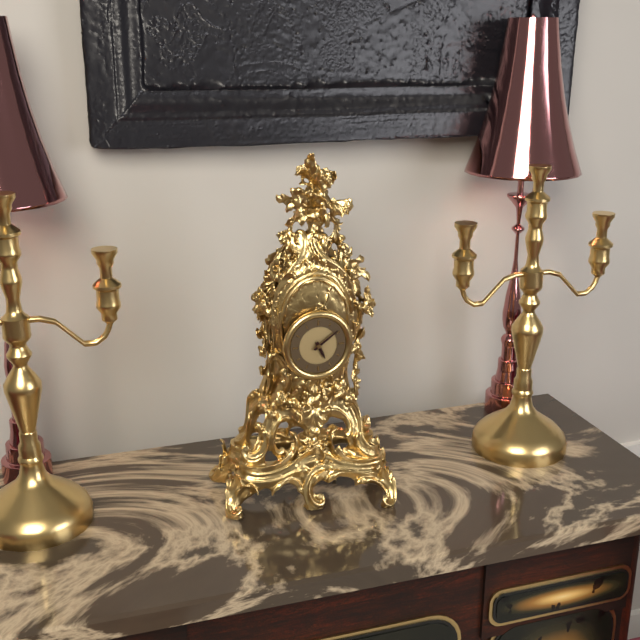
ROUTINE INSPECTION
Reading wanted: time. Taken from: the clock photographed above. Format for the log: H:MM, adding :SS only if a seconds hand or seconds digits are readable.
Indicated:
5:09
